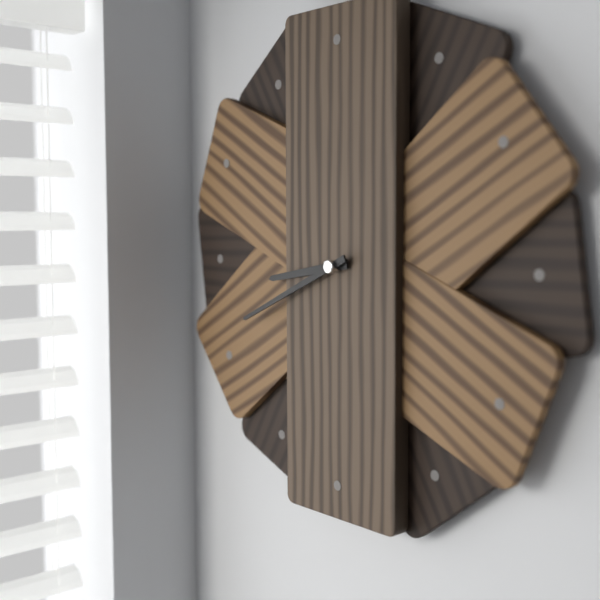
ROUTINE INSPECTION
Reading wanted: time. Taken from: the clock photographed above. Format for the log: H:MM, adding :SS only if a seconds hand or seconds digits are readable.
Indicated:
8:41
